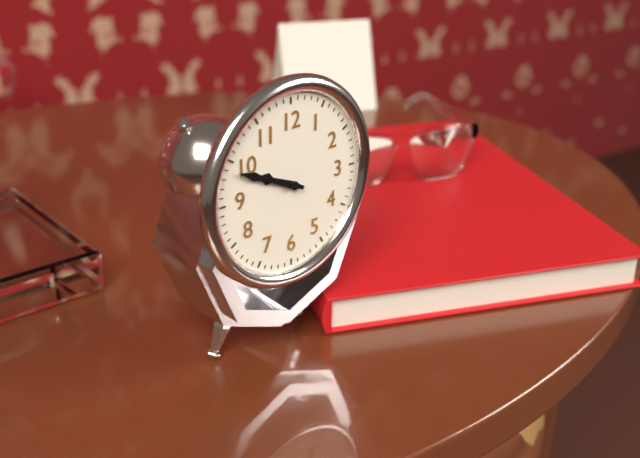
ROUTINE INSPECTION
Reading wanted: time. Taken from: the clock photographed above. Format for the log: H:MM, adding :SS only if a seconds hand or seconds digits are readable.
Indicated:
9:49
